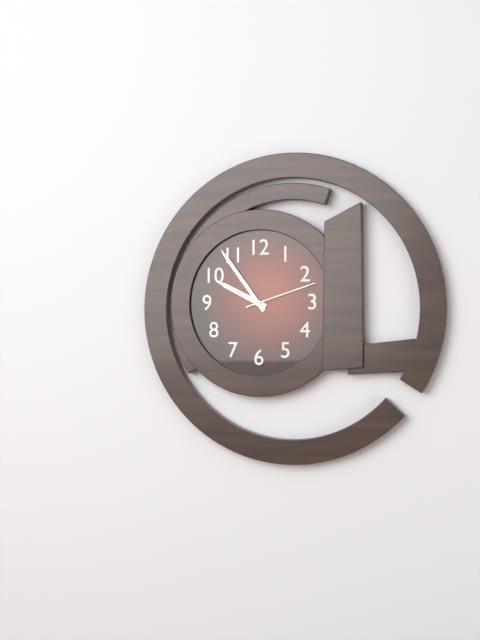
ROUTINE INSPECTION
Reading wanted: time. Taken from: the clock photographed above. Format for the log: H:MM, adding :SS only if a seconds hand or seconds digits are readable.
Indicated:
9:54:12
